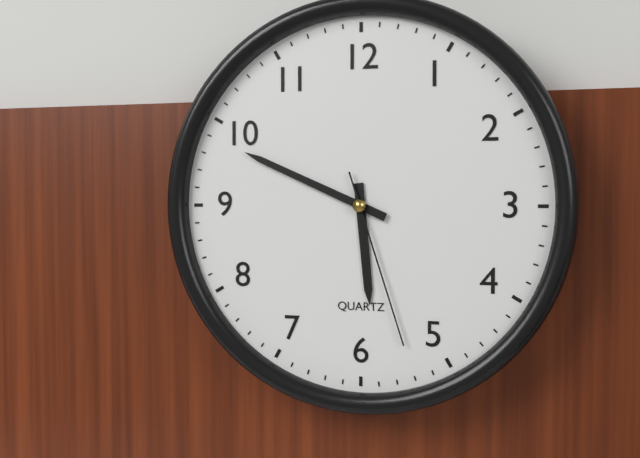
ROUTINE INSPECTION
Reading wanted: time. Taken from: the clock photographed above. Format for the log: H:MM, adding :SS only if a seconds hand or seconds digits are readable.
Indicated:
5:49:27
